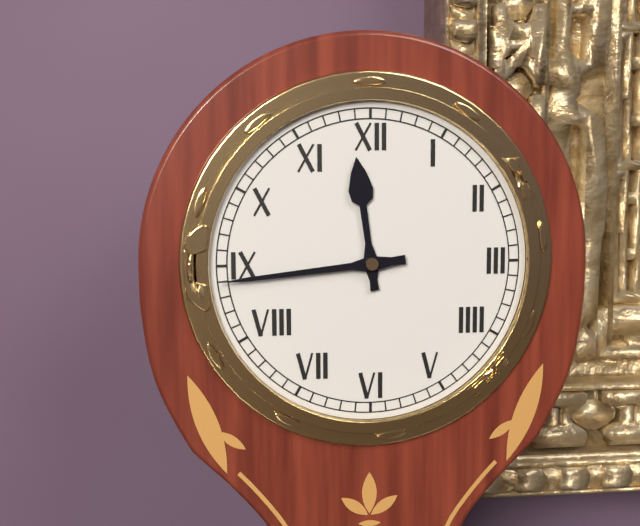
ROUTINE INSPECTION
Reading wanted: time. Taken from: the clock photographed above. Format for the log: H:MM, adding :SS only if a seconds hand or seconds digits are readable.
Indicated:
11:44
